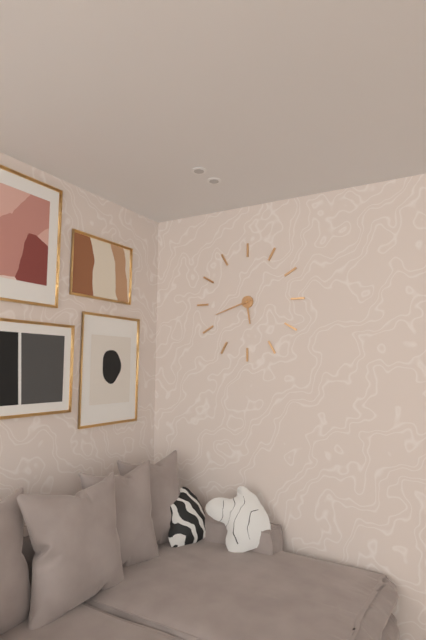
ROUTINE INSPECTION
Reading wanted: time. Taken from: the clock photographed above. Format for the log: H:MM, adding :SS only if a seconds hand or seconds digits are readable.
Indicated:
5:42
